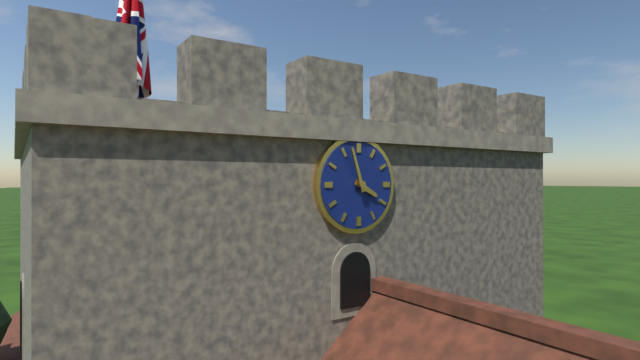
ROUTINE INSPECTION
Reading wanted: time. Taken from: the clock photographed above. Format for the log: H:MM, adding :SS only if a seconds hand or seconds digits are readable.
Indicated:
3:57
